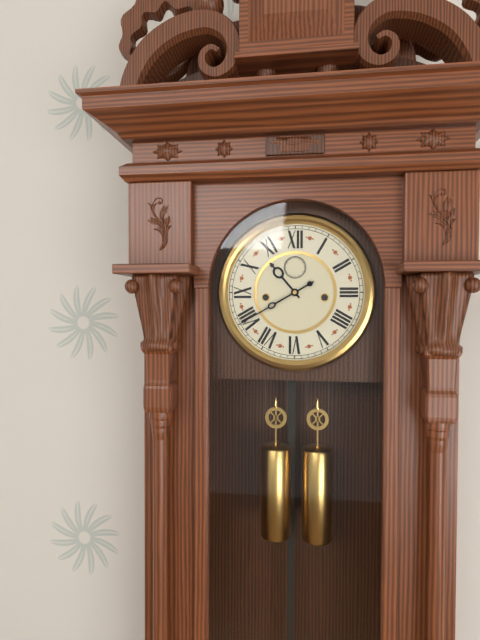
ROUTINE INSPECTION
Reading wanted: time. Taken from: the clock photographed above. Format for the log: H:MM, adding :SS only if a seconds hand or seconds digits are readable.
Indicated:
10:40
